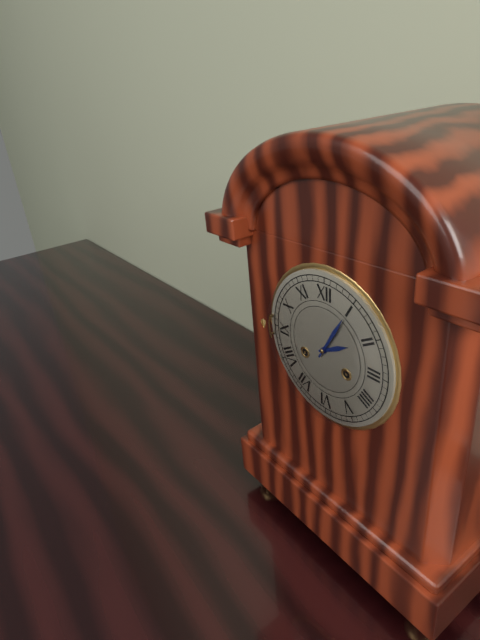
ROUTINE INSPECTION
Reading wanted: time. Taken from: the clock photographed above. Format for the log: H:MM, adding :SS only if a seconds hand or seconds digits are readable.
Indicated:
2:05
